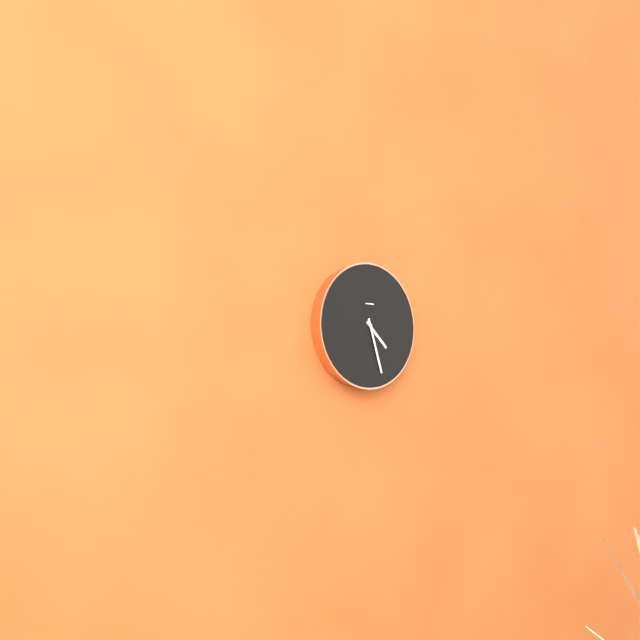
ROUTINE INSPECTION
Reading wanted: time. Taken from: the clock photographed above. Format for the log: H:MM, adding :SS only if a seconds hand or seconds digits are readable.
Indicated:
4:27
